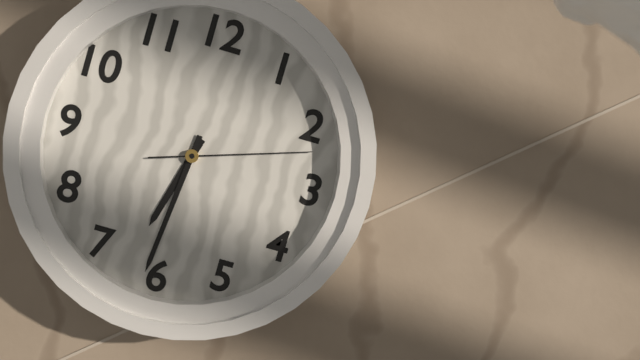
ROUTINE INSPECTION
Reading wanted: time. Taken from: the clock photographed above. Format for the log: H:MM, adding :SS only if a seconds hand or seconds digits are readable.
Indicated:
6:31:12
